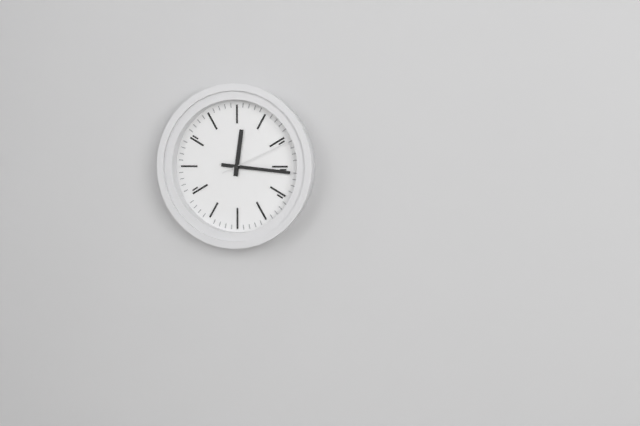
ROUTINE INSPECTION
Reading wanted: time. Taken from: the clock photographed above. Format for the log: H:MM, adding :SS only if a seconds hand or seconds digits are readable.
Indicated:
12:16:11
